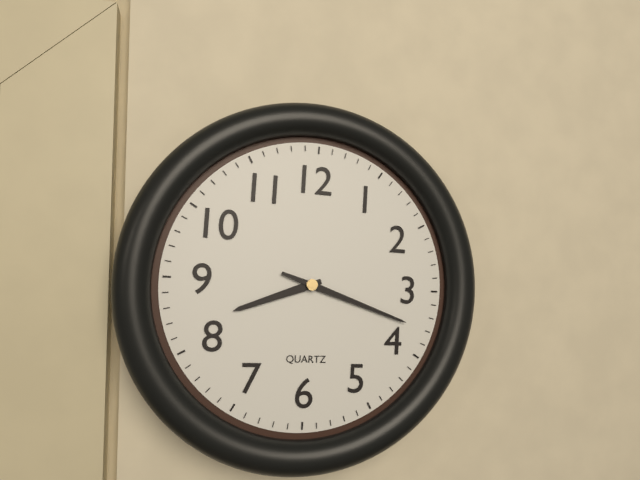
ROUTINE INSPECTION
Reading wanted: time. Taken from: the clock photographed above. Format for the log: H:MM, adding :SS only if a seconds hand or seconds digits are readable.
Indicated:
8:18
